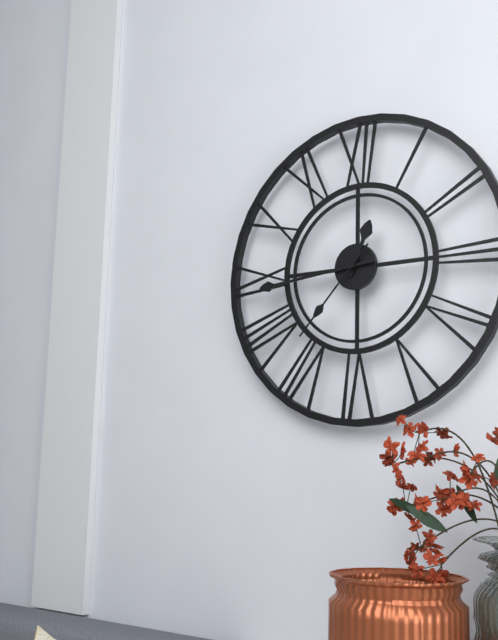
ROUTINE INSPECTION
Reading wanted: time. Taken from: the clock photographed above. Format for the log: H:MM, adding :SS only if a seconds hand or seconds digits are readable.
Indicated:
12:44:37
